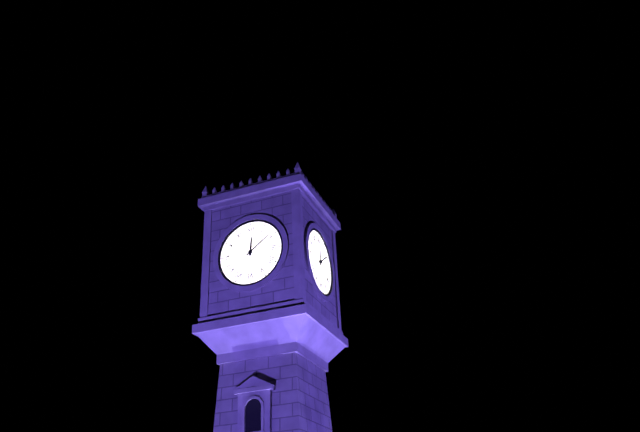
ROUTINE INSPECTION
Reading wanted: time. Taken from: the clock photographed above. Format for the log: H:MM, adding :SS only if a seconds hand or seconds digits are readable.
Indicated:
12:09
